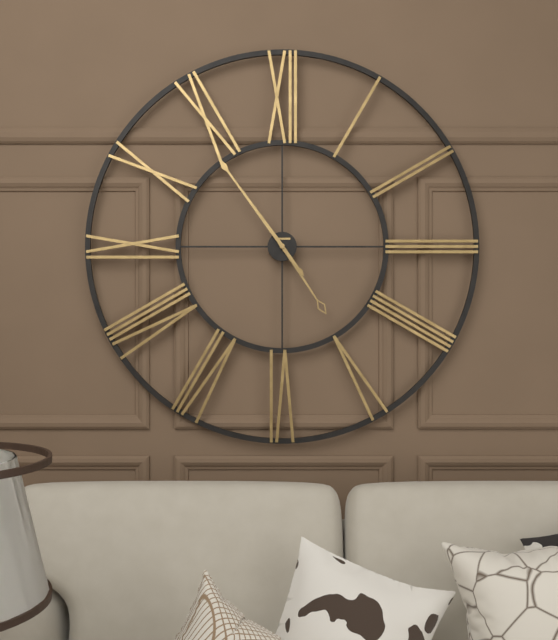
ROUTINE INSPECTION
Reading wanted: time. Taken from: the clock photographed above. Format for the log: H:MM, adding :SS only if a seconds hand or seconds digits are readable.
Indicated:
4:54
